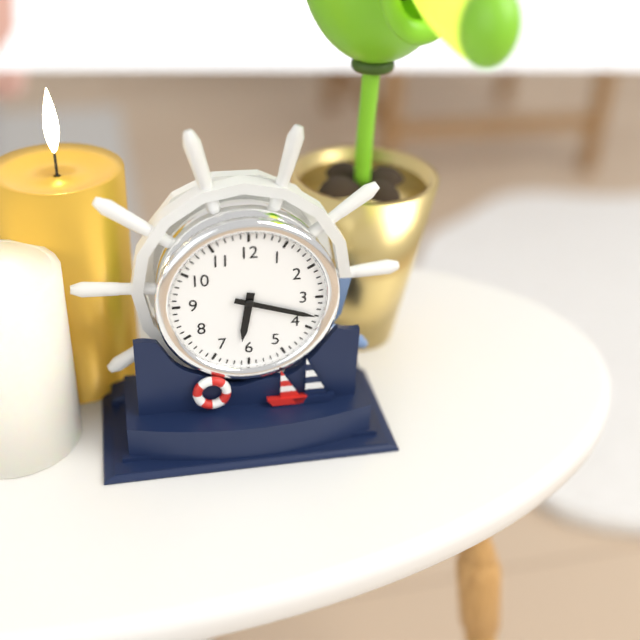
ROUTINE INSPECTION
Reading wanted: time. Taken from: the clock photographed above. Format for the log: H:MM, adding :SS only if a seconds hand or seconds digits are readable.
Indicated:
6:18
